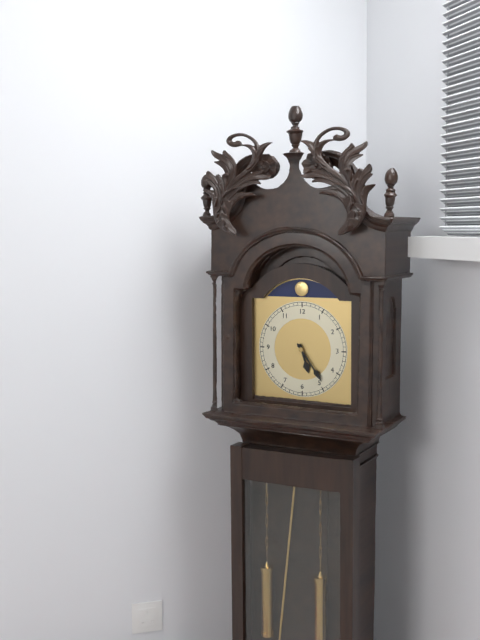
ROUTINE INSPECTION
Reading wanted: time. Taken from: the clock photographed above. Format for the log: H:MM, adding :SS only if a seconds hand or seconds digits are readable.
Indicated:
5:24
